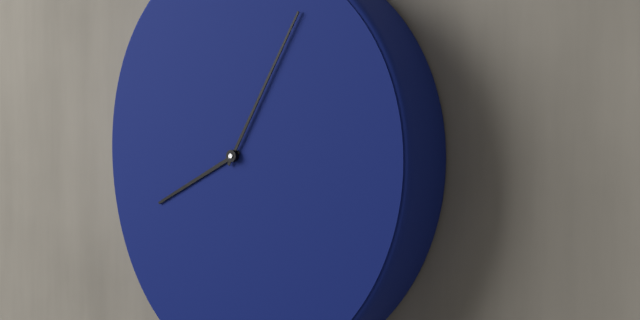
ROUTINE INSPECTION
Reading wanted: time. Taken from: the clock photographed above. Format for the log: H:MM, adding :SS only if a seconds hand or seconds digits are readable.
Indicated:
8:05
